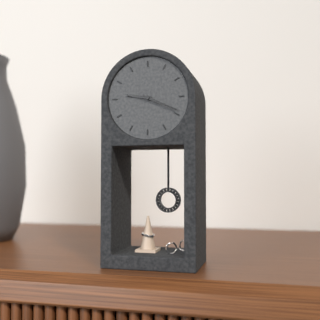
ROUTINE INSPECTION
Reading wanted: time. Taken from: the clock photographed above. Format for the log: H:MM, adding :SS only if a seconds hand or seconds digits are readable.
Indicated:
9:19
